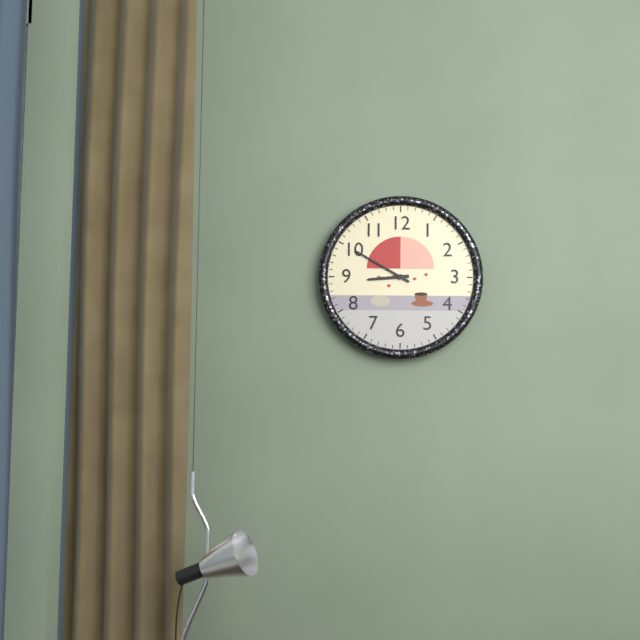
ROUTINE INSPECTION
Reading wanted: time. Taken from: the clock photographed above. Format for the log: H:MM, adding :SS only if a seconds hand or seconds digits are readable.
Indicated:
8:50
